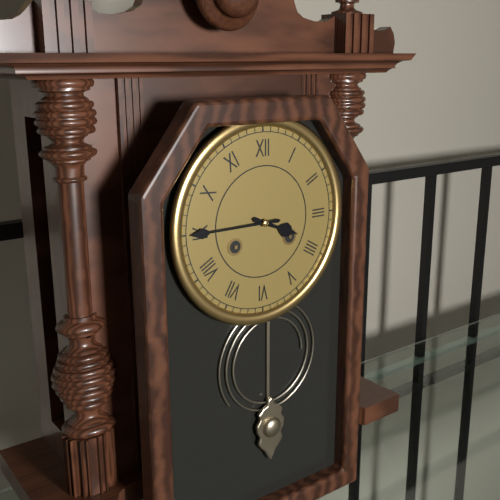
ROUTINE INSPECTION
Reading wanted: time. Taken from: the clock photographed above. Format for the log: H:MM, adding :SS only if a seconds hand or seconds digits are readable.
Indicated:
3:45
